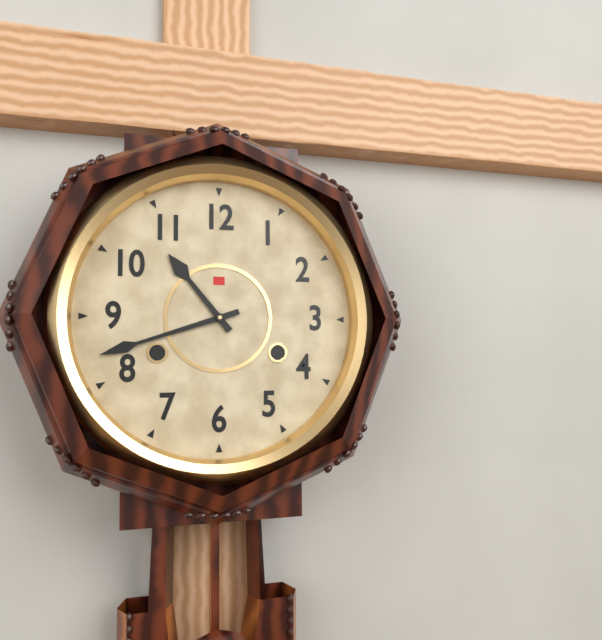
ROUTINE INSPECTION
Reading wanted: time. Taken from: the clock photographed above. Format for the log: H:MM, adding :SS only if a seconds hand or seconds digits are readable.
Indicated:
10:42
